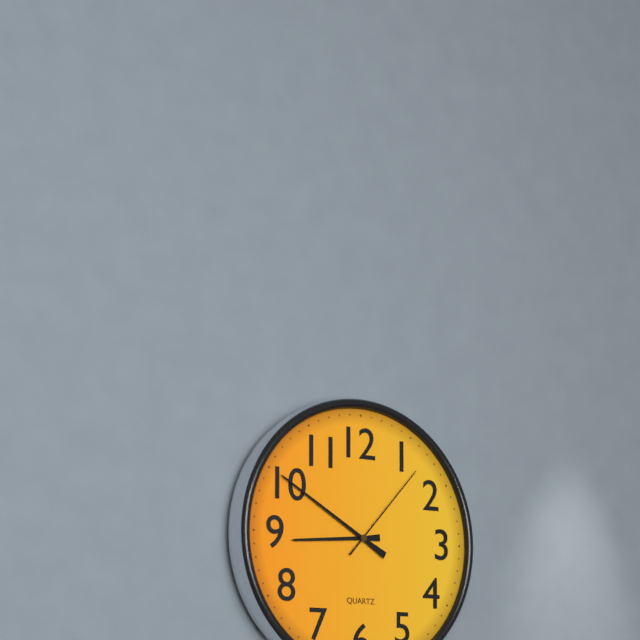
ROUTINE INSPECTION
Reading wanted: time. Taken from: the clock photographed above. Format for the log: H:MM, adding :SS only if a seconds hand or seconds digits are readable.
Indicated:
8:50:07
